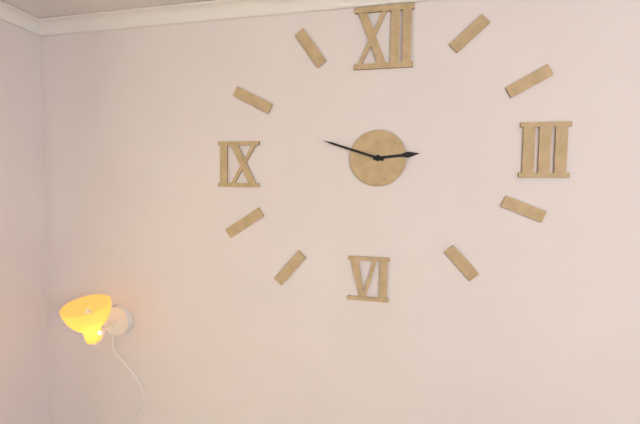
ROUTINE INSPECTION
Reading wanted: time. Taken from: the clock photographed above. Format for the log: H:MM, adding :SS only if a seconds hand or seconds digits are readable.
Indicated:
2:48
